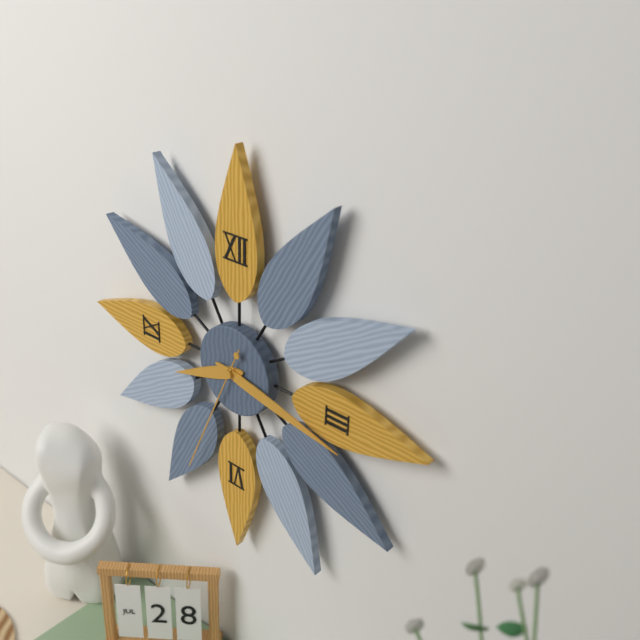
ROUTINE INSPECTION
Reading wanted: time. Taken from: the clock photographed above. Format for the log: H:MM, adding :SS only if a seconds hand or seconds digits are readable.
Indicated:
8:17:34
